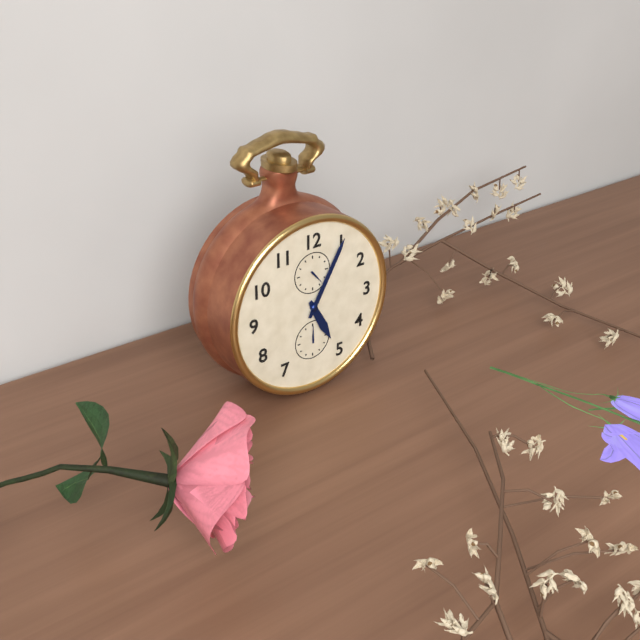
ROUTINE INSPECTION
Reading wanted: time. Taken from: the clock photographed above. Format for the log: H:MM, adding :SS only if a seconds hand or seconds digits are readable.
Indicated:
5:05
